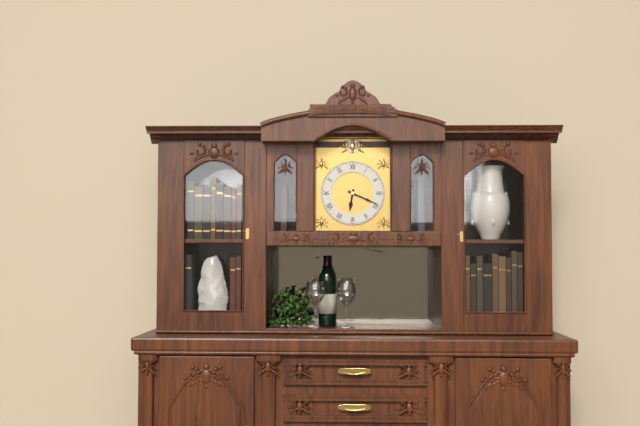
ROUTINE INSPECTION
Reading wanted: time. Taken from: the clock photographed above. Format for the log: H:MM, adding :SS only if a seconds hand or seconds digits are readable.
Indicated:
6:19
